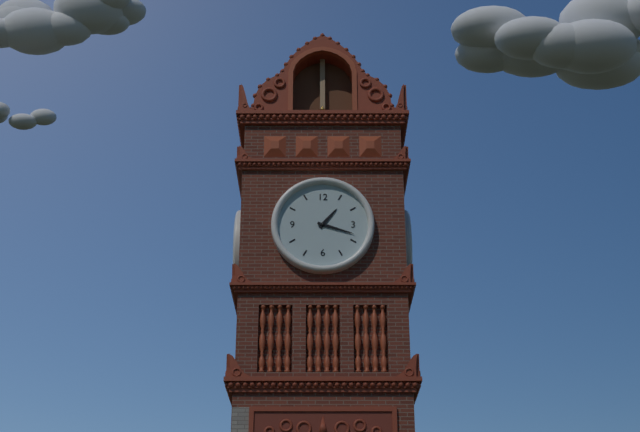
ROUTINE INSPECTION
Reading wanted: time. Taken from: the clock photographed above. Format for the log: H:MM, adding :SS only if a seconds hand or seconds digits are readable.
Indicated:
1:18
